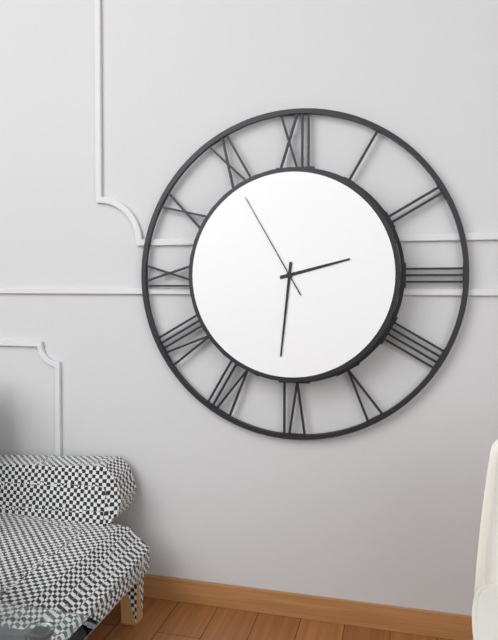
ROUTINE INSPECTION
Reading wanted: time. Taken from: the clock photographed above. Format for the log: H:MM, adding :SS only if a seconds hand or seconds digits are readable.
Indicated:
2:31:55
